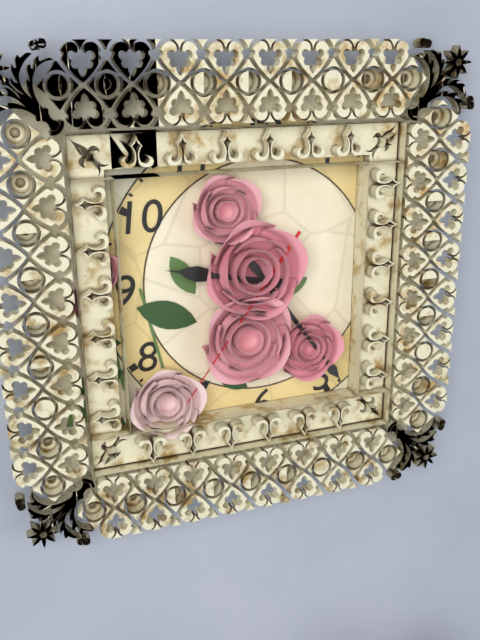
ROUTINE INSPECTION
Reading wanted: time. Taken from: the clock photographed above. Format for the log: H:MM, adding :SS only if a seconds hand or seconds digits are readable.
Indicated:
9:24:36
